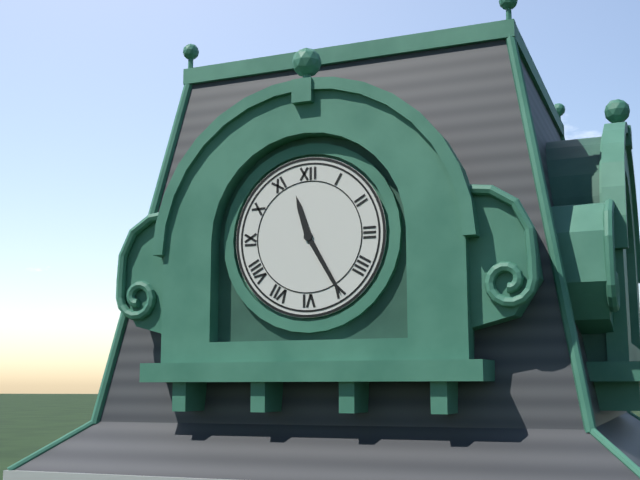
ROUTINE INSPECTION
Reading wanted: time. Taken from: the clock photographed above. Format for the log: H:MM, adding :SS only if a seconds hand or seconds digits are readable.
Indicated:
11:25
